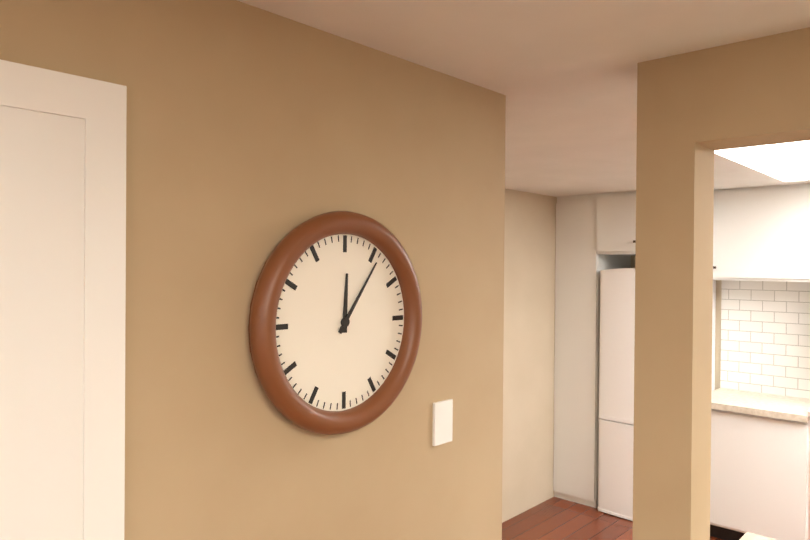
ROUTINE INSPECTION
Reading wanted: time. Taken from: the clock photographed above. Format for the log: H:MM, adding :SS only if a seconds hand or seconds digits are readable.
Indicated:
12:06
